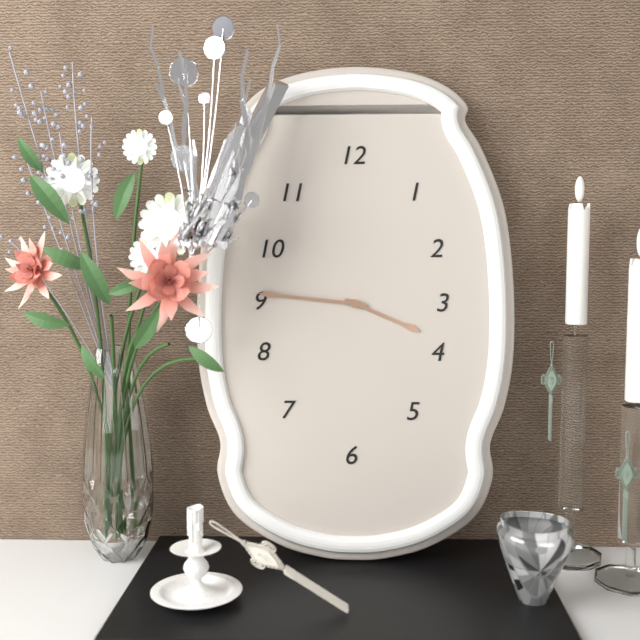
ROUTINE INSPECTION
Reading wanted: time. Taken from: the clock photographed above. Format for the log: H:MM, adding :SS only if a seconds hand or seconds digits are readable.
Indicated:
3:46
